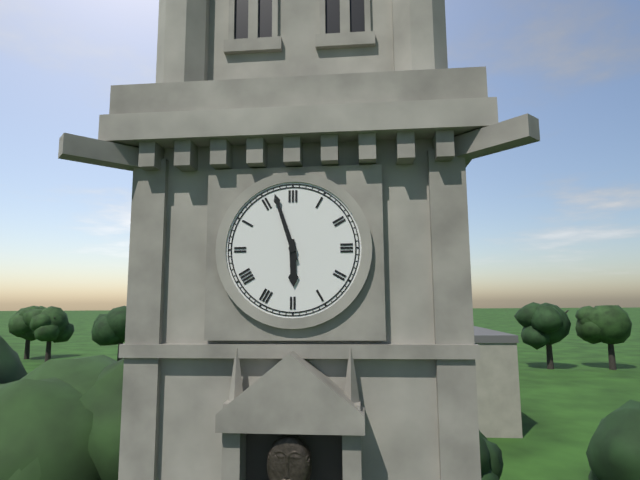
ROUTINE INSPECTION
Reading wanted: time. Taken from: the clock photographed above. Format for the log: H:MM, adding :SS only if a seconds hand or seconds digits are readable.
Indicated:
5:57
